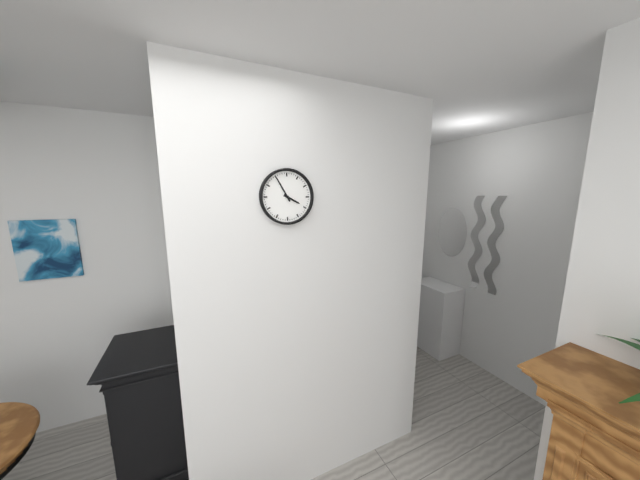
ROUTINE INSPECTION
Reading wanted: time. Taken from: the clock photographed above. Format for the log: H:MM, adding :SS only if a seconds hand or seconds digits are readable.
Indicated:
3:55
